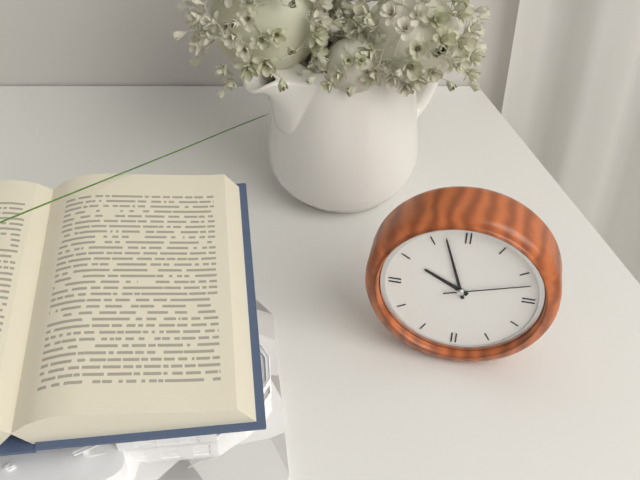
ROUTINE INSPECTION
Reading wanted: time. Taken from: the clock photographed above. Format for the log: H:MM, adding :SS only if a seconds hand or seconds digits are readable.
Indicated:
9:57:12
